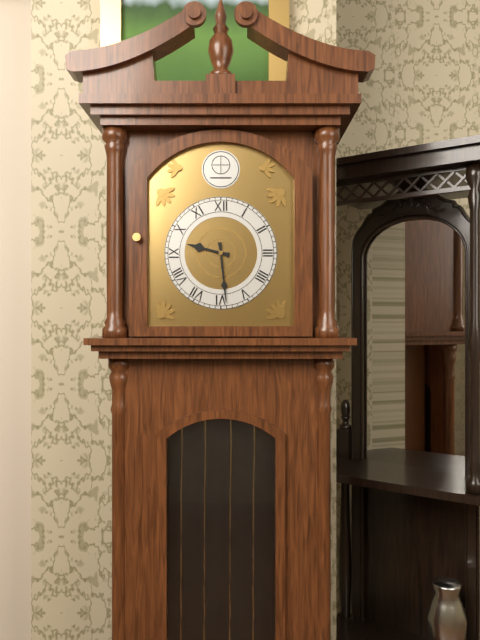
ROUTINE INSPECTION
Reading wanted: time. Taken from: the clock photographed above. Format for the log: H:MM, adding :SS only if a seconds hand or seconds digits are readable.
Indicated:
9:29
